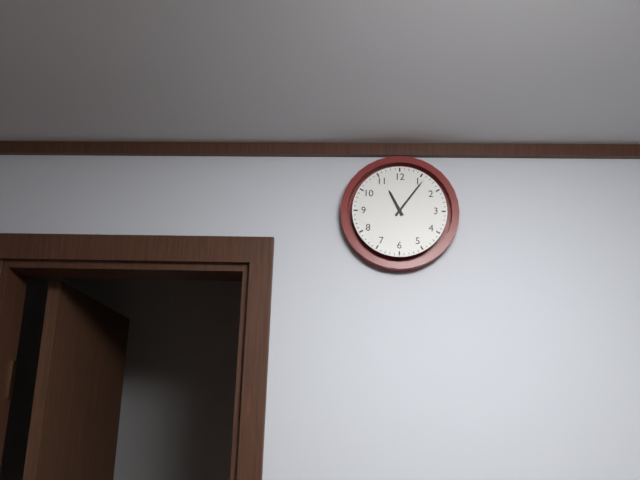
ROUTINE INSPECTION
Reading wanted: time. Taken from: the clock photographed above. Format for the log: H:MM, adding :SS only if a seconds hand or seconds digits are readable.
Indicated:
11:06
